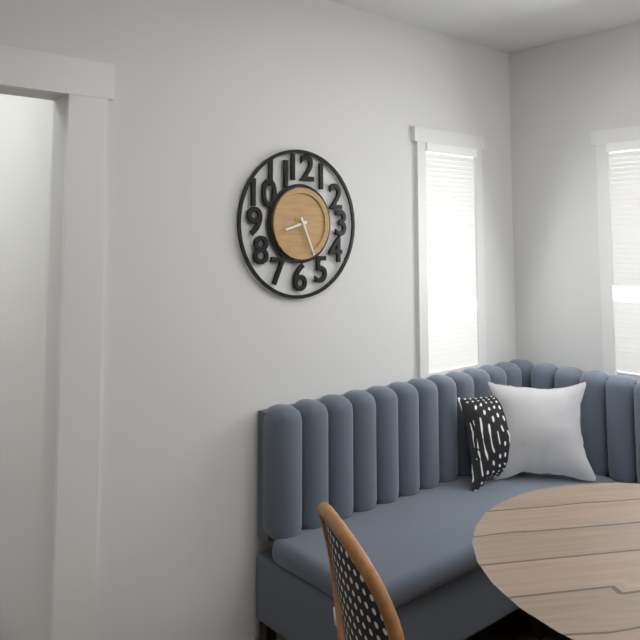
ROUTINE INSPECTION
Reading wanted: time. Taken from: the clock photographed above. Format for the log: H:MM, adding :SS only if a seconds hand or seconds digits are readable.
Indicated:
8:26
